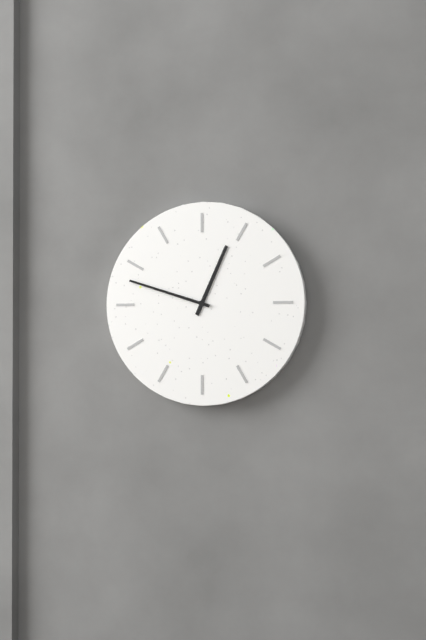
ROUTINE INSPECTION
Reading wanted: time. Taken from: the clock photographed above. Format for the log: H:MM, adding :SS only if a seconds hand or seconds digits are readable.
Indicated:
12:48
